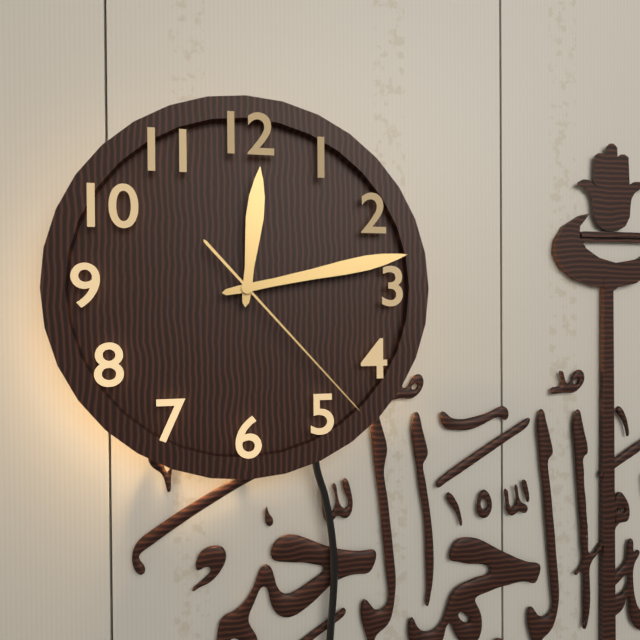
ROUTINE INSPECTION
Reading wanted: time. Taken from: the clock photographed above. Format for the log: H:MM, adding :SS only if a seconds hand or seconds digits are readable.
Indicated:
12:13:23
